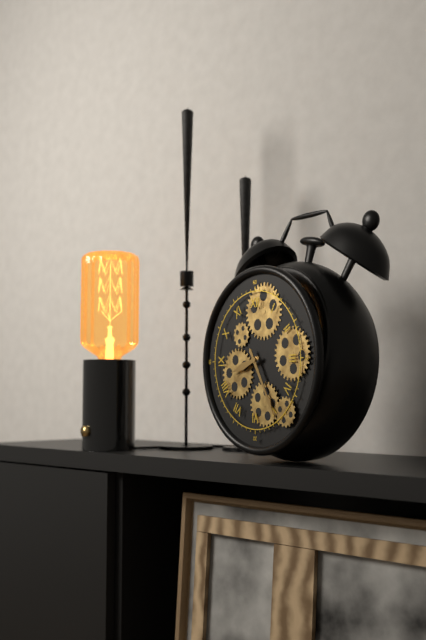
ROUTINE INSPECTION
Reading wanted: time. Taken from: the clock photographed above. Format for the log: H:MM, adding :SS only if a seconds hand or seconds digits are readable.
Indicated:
8:25
